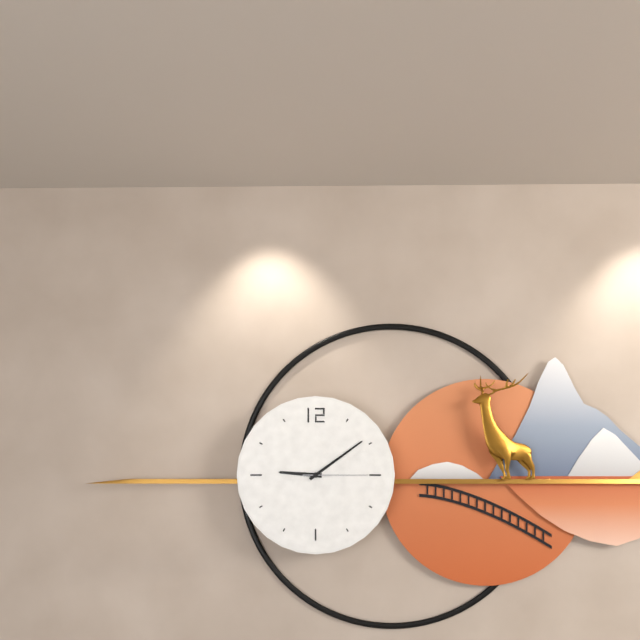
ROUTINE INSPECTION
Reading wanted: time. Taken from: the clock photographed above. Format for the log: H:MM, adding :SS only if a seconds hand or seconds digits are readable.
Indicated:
9:09:15
